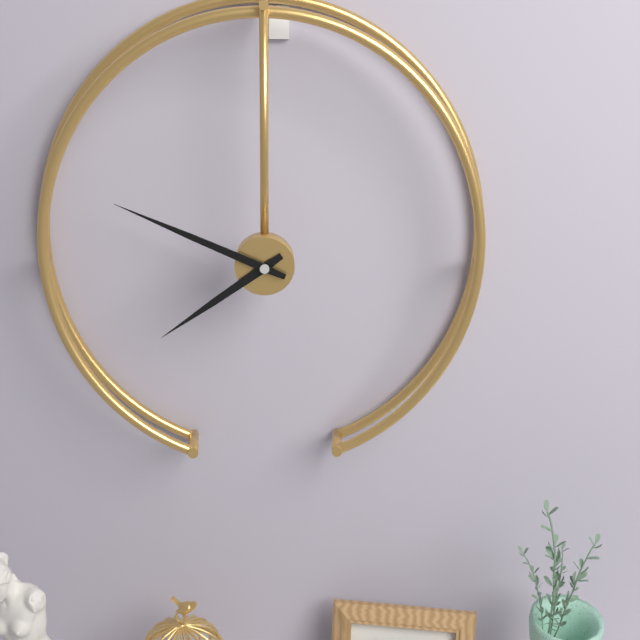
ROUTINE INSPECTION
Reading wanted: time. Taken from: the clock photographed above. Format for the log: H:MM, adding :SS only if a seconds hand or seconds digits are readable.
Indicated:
7:49
